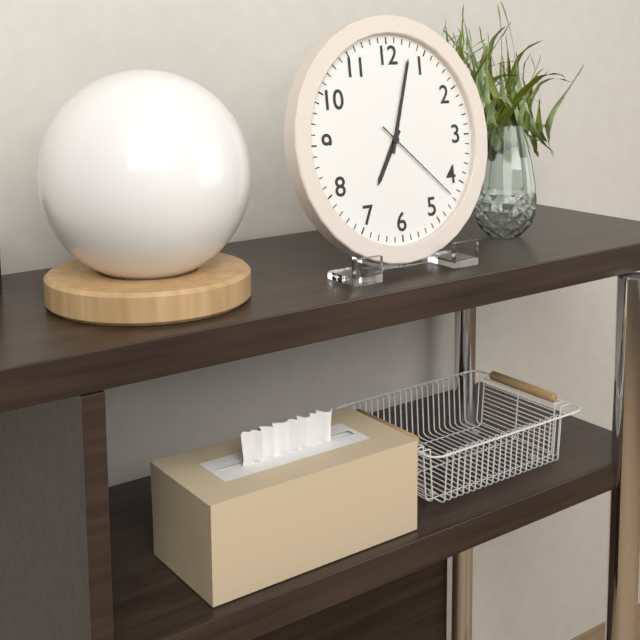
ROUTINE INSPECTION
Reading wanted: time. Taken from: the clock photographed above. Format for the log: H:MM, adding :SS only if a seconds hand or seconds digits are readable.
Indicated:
7:03:22
